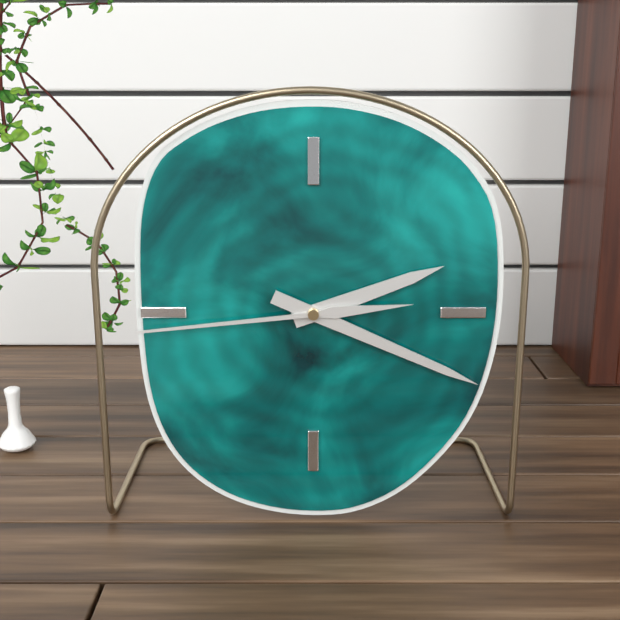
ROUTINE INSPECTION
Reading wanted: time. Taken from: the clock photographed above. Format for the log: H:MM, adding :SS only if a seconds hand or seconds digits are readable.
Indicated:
2:19:44
